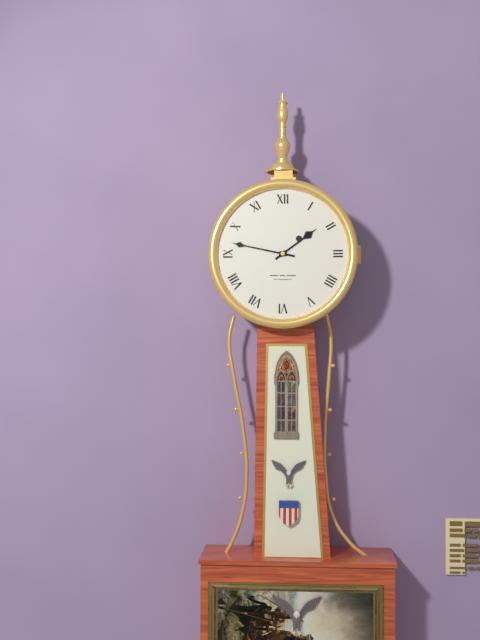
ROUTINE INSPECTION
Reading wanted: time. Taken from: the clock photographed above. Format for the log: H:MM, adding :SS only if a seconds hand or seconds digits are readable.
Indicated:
1:47
